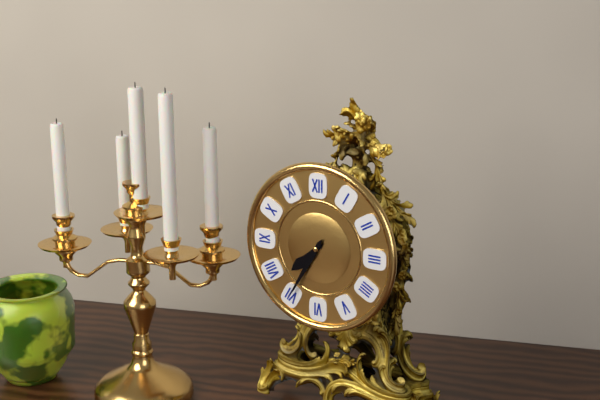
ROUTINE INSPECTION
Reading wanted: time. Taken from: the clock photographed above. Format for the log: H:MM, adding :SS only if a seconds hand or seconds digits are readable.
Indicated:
7:35
